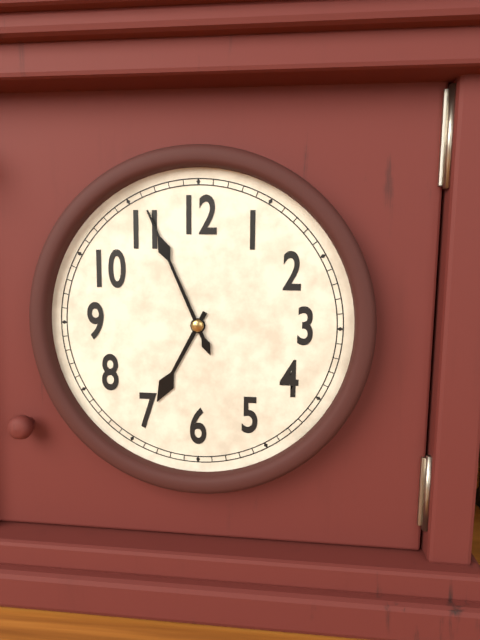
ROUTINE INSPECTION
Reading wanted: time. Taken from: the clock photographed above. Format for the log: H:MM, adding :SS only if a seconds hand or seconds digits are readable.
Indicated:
6:56
